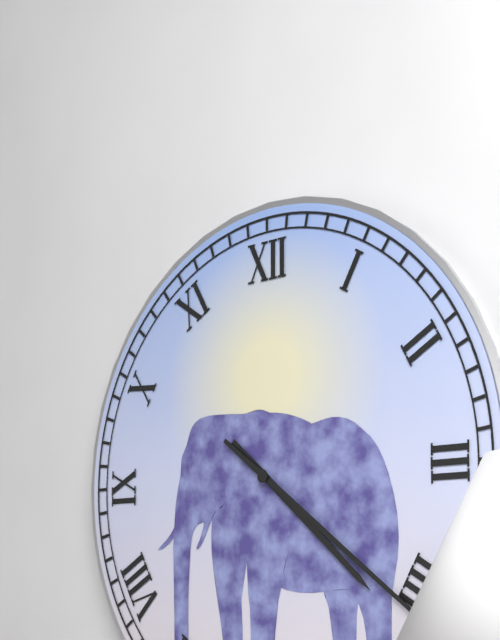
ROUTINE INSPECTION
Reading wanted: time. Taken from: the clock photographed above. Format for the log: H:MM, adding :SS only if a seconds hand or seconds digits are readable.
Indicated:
4:21
